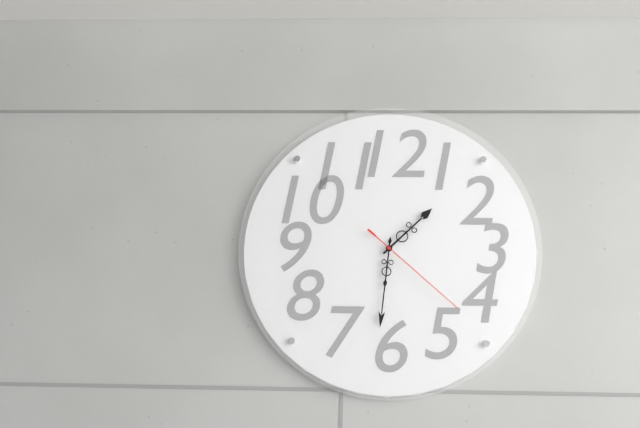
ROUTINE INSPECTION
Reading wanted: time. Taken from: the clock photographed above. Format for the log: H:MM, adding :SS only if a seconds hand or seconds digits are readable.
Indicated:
1:31:22
